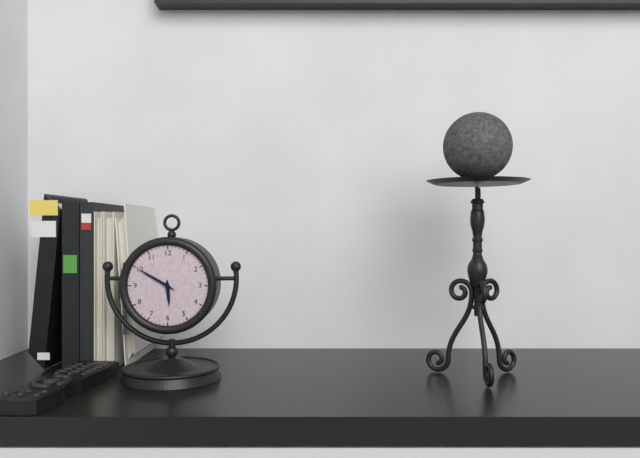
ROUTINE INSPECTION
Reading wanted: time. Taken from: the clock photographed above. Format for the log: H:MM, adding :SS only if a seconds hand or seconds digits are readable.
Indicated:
5:50
